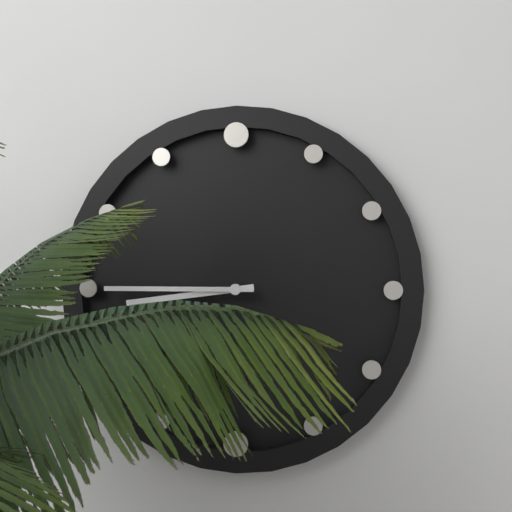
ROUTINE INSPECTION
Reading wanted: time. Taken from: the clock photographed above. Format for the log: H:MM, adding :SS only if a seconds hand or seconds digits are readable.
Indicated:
8:45
